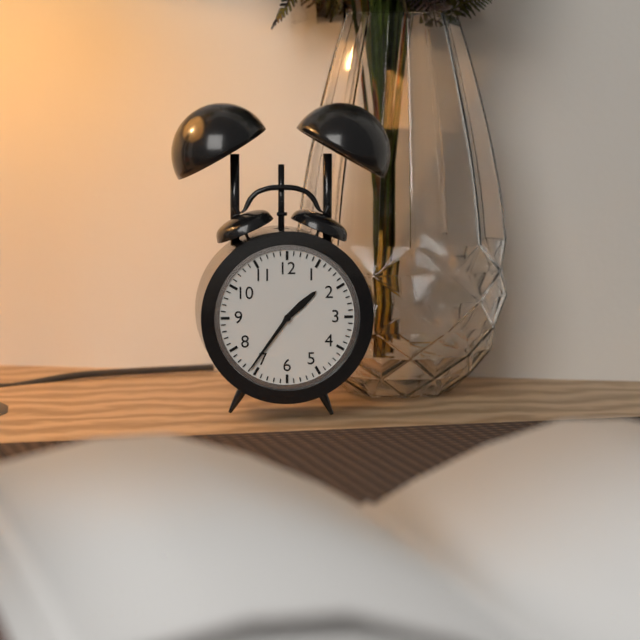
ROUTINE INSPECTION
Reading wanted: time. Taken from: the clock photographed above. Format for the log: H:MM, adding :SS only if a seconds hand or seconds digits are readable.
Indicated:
1:36
